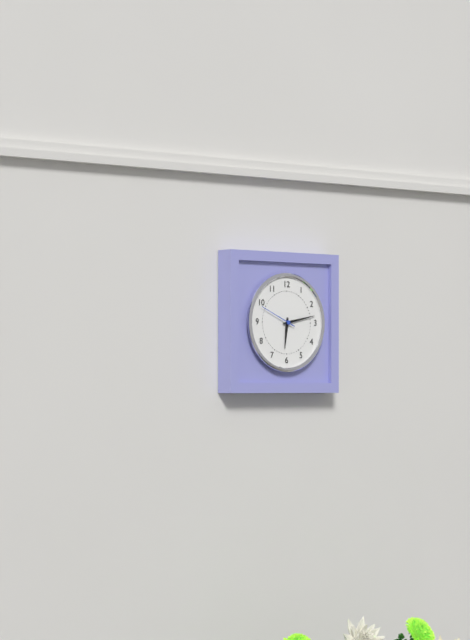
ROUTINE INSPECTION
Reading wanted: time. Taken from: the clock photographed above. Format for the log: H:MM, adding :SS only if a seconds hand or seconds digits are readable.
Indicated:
6:13
